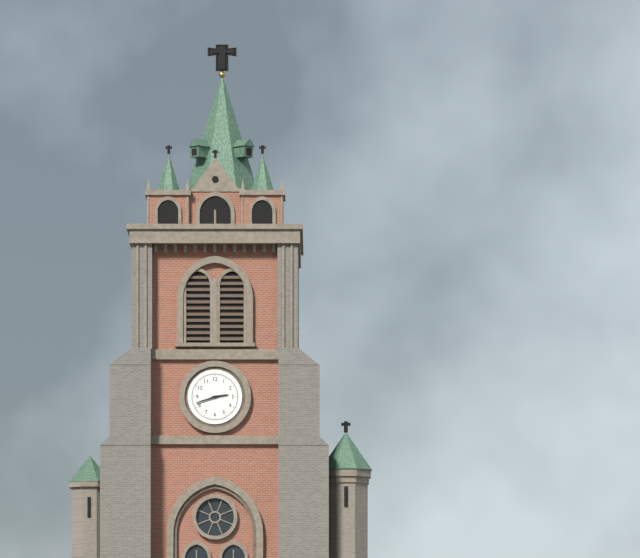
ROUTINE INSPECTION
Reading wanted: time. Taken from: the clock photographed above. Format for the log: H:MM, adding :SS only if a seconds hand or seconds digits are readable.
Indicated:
2:42
